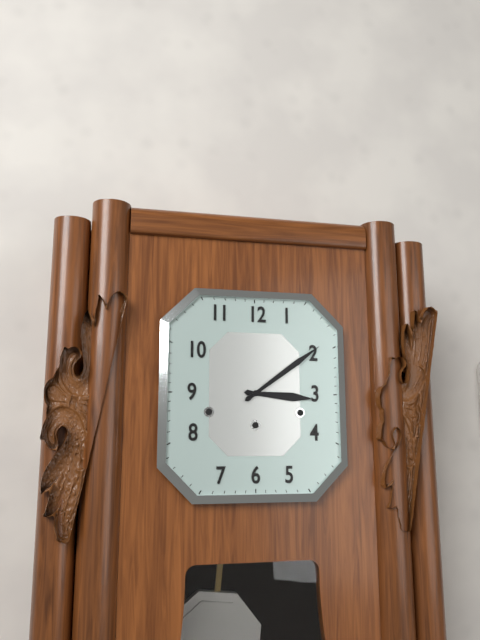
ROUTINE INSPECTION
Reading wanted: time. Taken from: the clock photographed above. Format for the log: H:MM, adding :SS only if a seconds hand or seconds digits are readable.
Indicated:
3:09
